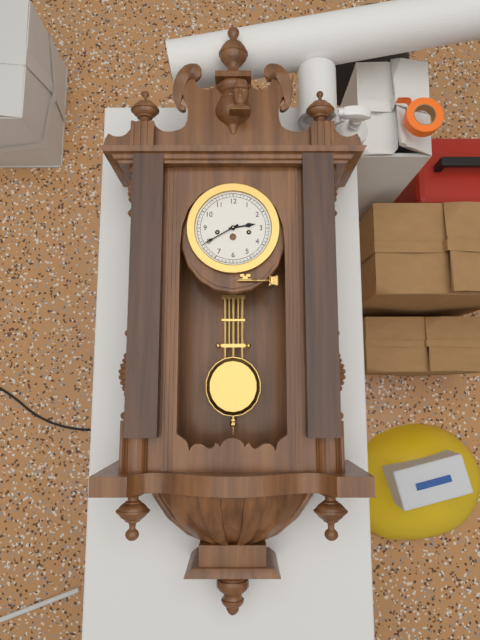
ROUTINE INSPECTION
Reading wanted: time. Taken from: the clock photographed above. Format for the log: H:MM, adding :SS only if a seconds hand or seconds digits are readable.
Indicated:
2:40
